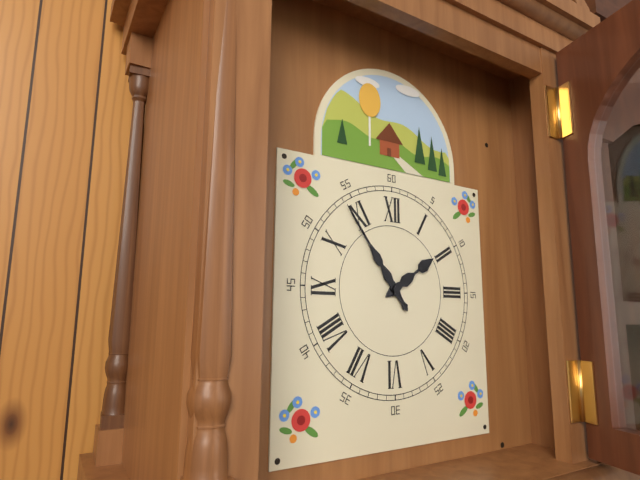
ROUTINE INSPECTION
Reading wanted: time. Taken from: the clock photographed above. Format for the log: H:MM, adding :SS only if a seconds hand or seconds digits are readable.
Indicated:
1:54
